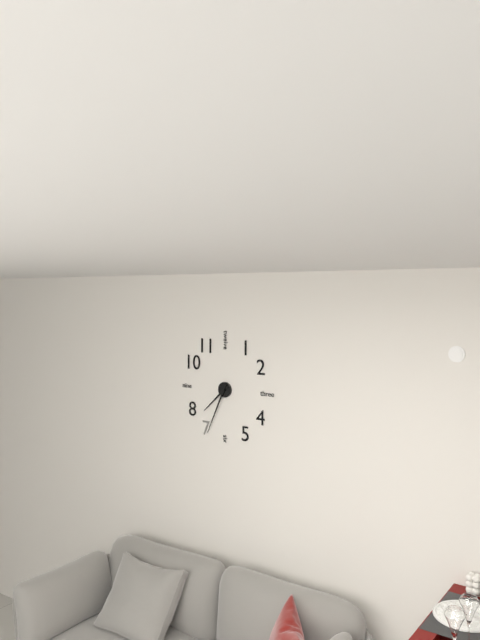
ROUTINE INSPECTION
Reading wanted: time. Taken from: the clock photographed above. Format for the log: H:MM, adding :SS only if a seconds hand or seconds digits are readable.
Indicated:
7:34
